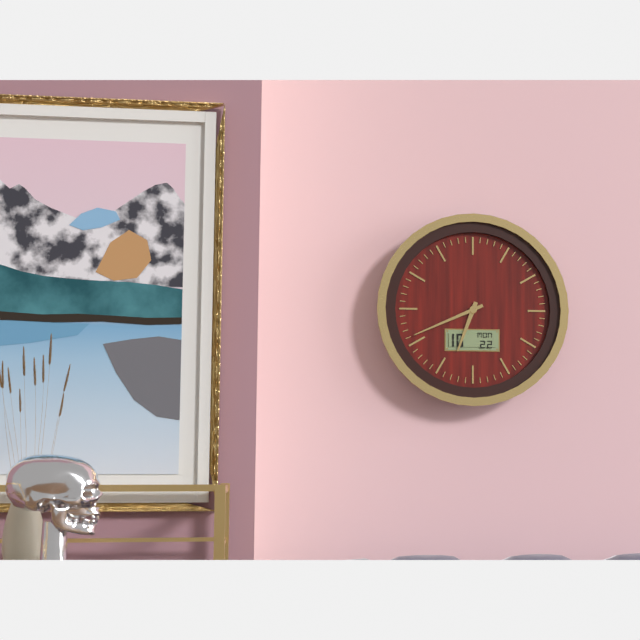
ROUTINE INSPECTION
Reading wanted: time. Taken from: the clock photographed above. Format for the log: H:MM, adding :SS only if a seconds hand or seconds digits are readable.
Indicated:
6:41
